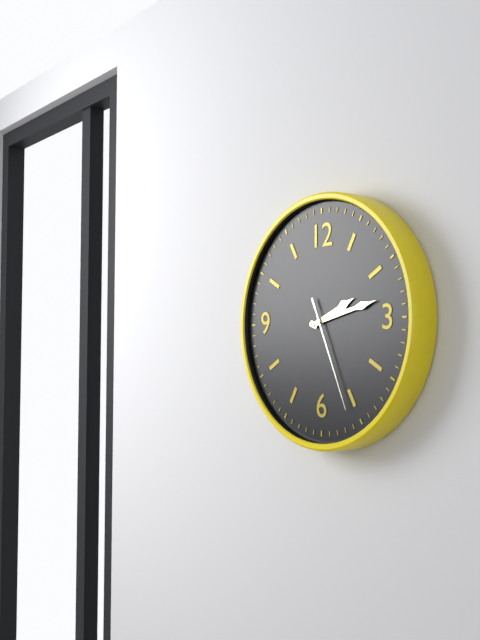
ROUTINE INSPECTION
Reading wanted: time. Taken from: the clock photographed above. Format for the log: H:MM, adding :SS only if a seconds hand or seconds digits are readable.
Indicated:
2:13:26
